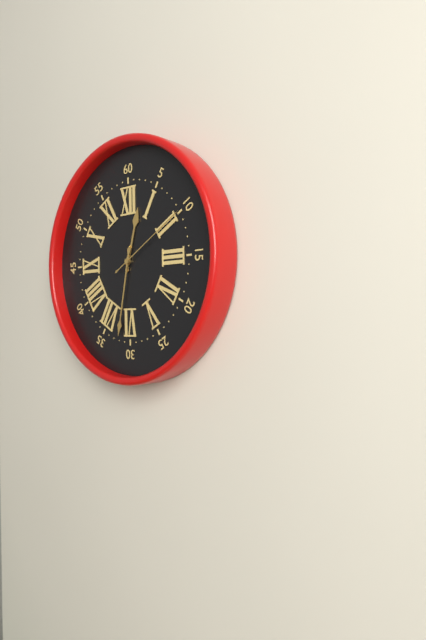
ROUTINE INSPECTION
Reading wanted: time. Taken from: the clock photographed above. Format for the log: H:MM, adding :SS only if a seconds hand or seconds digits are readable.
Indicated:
12:32:10
